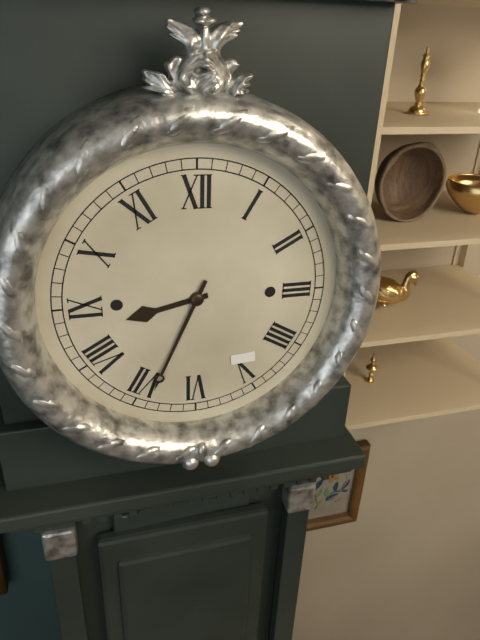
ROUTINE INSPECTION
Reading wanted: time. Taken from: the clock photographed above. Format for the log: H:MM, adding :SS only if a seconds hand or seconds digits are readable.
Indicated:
8:34
